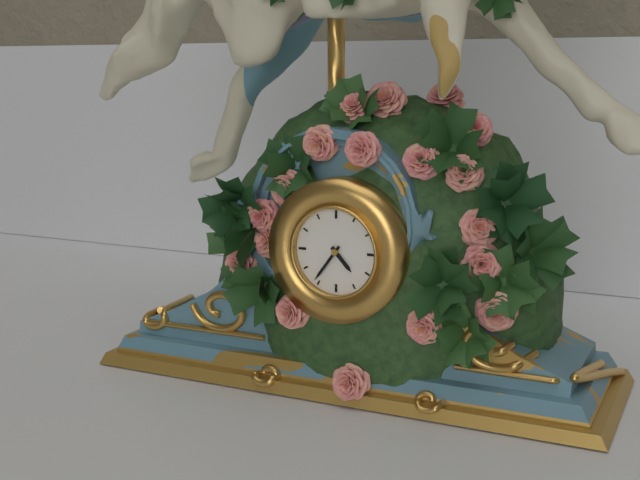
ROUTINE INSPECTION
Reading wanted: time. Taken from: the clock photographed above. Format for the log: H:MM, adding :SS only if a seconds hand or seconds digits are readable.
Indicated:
4:36
